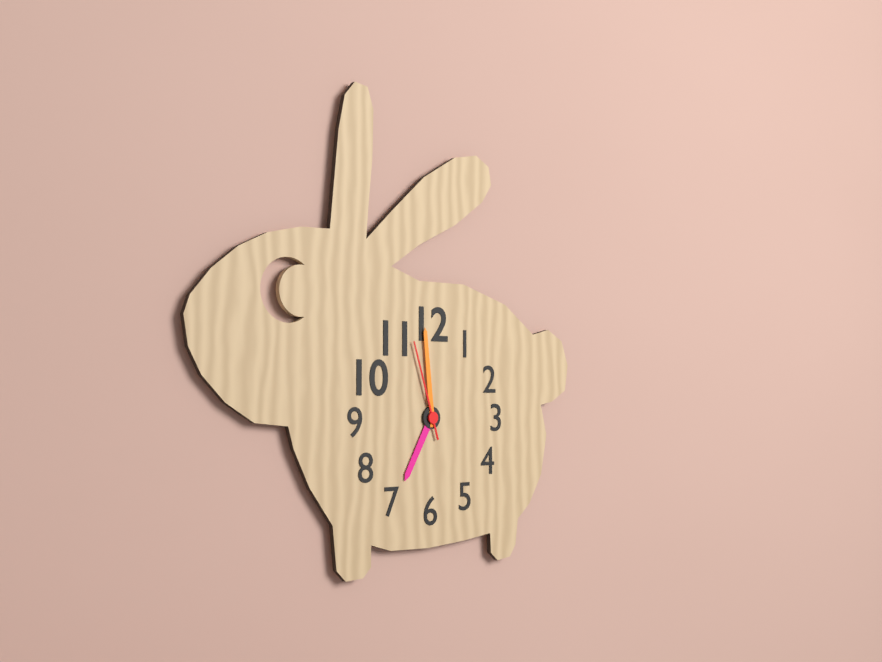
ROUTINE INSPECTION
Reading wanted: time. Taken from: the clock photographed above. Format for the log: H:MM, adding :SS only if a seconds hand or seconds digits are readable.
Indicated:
6:59:57
